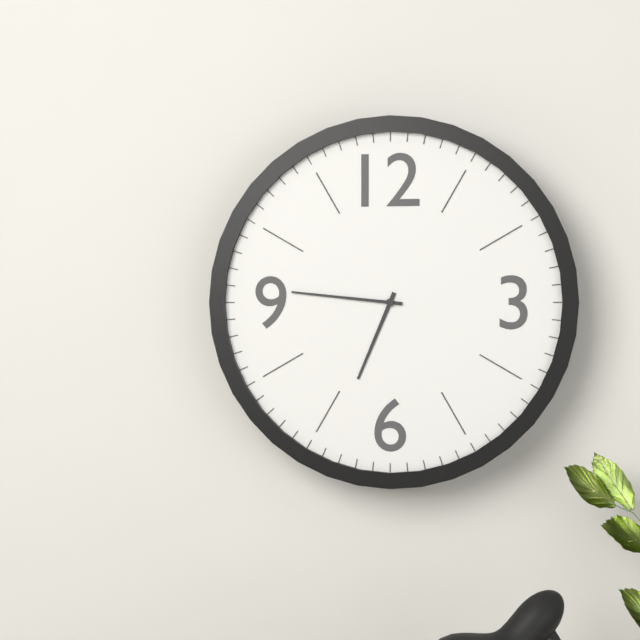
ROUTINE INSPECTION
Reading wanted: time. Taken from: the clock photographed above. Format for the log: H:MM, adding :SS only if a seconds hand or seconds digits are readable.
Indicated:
6:46
